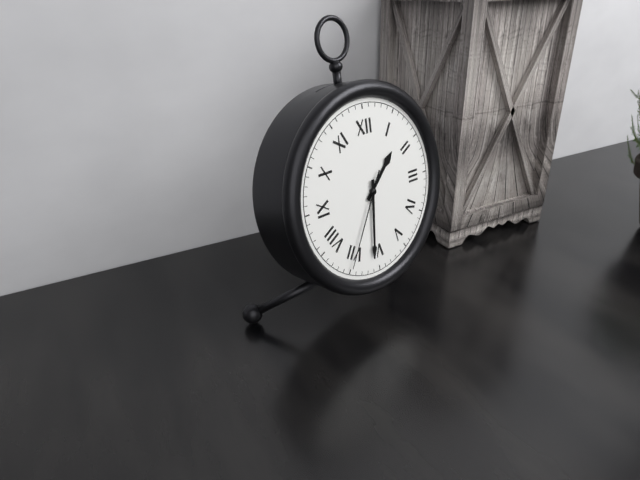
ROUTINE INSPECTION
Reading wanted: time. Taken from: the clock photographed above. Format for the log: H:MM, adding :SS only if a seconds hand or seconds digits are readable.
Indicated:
1:31:35
